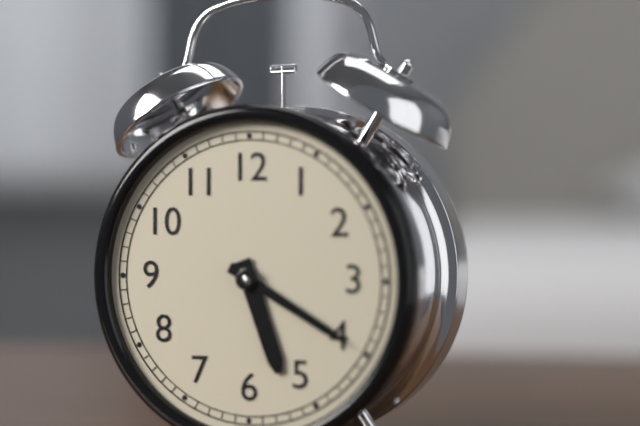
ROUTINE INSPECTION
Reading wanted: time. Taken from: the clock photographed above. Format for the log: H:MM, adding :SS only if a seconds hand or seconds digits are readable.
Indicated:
5:20
